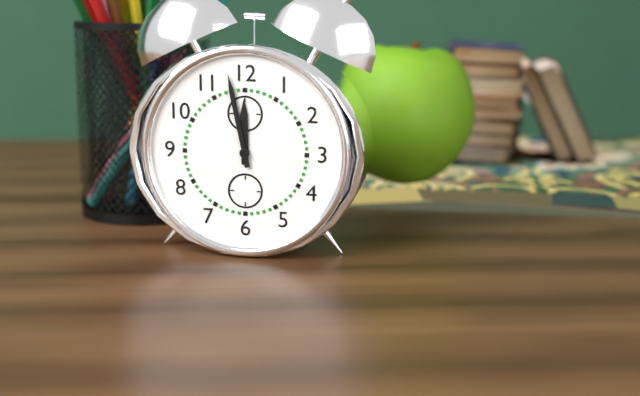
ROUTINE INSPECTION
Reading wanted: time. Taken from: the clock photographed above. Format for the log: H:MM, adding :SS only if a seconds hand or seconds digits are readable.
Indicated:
11:58
